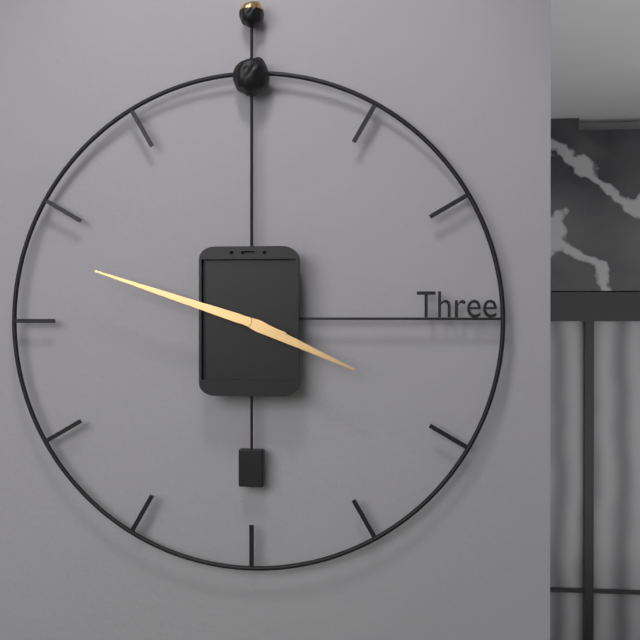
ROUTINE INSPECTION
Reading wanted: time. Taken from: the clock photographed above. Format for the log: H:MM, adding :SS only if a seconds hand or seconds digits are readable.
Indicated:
3:48
